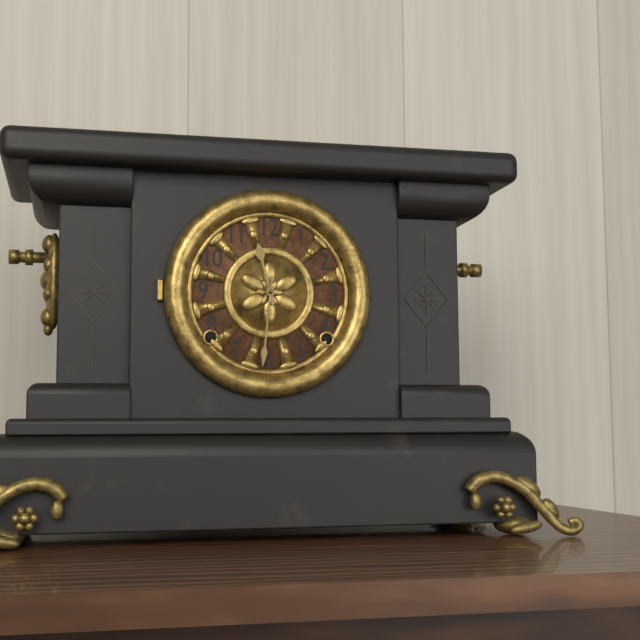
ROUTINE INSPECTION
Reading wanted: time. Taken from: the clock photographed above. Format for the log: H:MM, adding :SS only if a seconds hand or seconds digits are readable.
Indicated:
11:31
